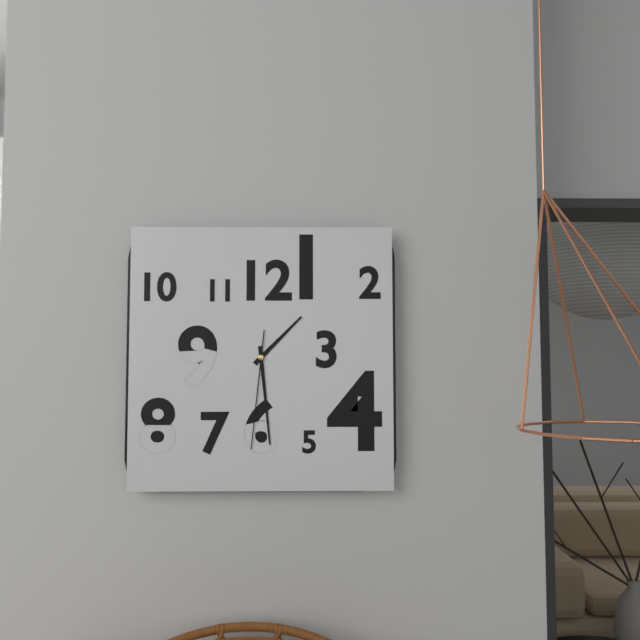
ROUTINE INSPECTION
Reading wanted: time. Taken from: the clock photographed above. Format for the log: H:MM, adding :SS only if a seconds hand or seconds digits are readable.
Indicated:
1:29:31
